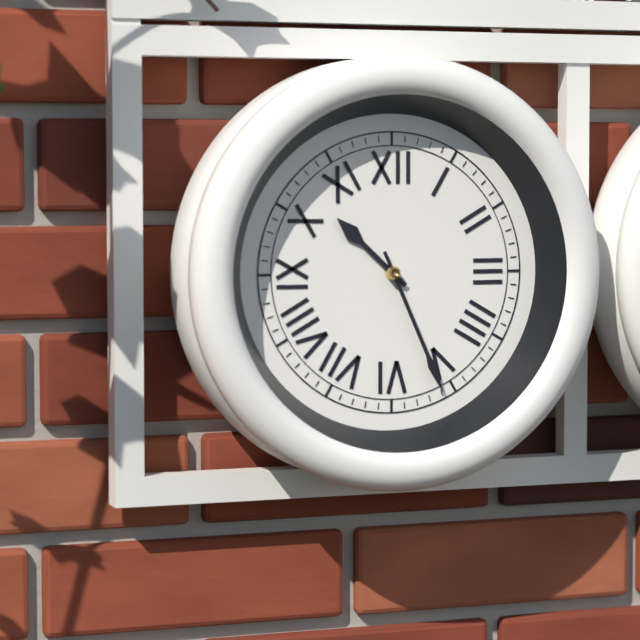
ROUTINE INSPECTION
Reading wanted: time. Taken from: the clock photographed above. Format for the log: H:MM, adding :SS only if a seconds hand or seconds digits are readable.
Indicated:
10:26
